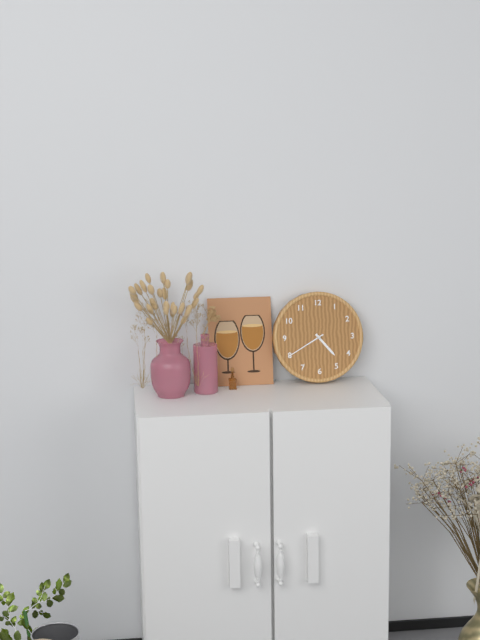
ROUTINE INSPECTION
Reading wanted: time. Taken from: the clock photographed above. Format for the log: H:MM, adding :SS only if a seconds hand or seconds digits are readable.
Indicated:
4:40
